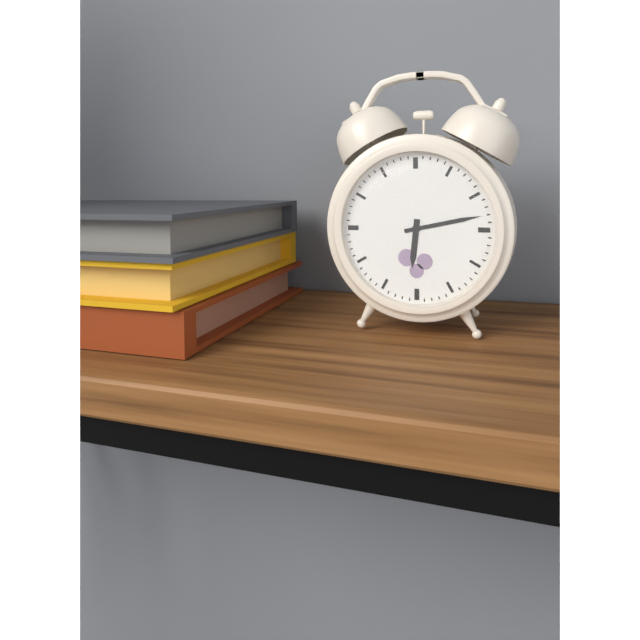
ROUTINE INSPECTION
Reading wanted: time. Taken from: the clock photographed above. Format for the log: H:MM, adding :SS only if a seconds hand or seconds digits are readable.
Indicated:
6:13
